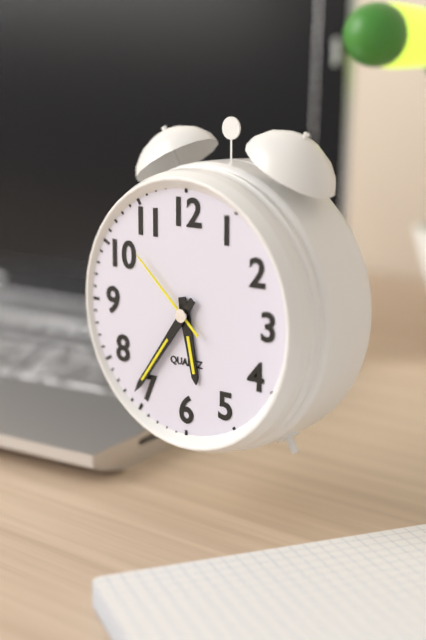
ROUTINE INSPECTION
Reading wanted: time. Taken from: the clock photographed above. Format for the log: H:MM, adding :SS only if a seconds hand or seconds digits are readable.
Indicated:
5:36:52
